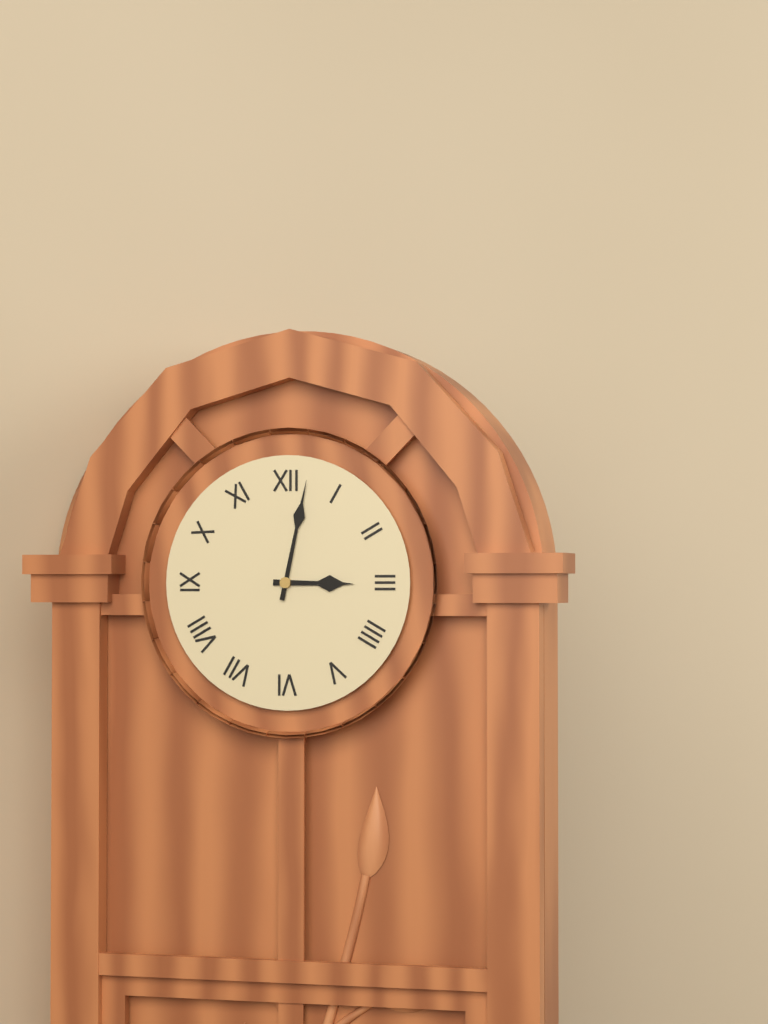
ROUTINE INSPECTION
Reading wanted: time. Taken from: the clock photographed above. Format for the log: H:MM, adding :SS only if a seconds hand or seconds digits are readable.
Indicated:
3:02
